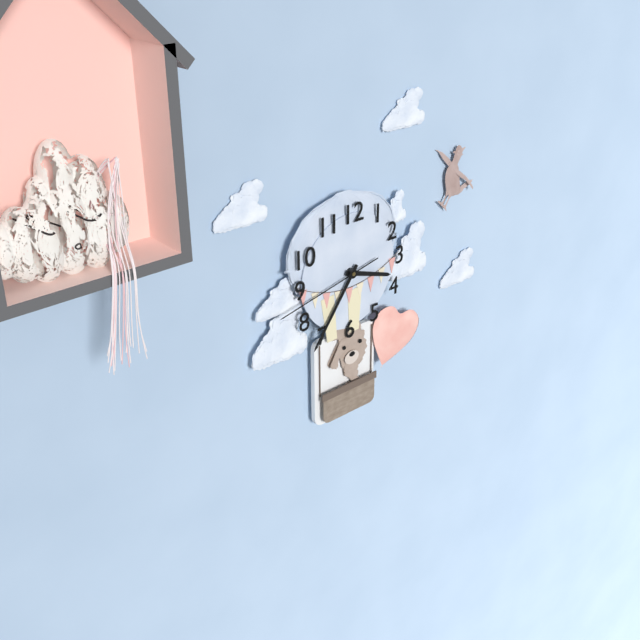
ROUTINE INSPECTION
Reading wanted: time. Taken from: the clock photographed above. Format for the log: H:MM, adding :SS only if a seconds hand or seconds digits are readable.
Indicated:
3:36:43
